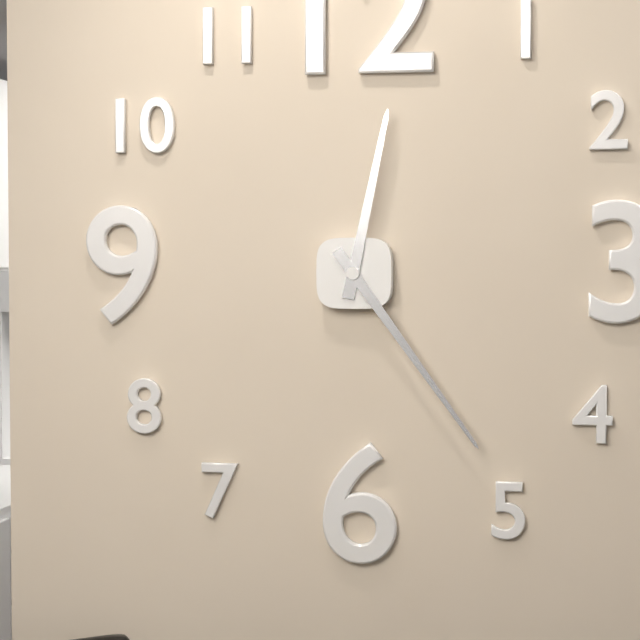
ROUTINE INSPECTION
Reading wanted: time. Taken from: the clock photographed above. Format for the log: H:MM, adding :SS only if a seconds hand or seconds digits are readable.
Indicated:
12:24
